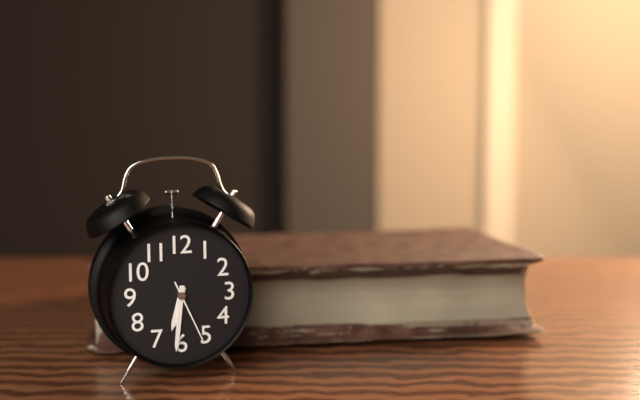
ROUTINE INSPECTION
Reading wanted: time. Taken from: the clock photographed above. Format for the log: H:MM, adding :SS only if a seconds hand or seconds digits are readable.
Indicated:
6:31:26
